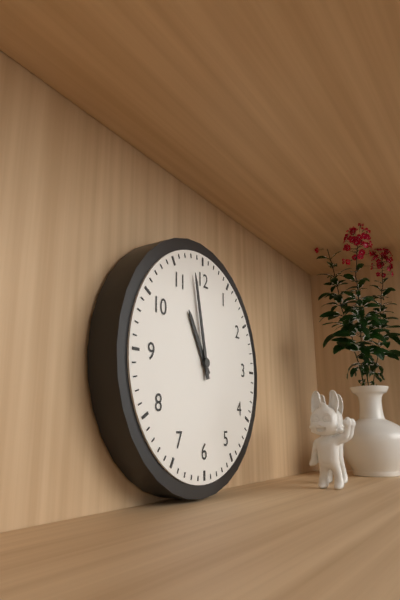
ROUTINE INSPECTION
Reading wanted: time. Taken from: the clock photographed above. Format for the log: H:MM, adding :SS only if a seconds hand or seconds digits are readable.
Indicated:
10:58
